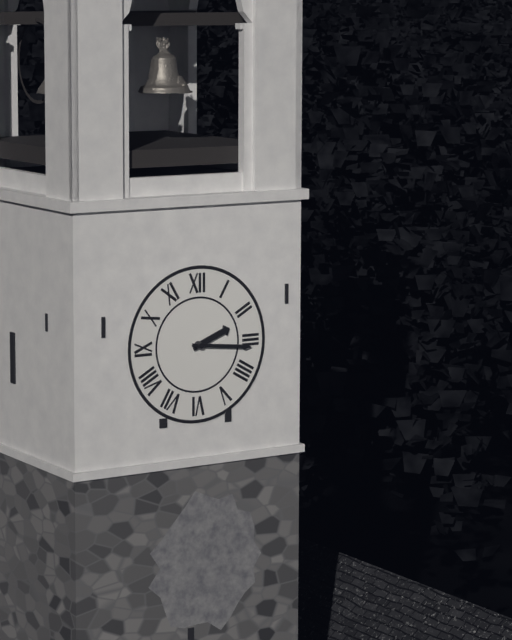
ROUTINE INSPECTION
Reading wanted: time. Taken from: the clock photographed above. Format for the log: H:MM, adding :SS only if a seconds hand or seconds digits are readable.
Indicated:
2:16
